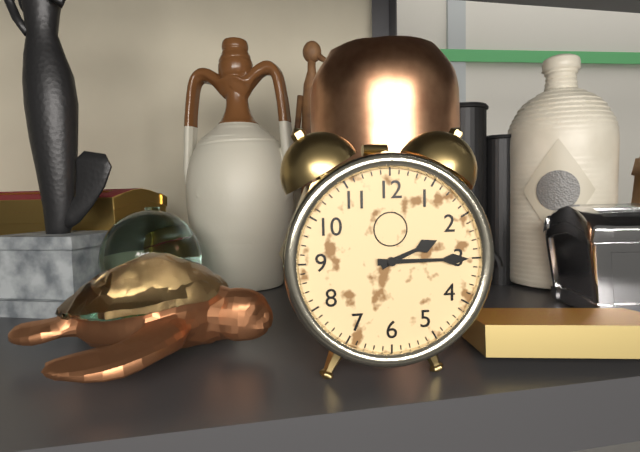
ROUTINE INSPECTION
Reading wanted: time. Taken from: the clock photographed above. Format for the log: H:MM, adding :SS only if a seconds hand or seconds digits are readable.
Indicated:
2:15
